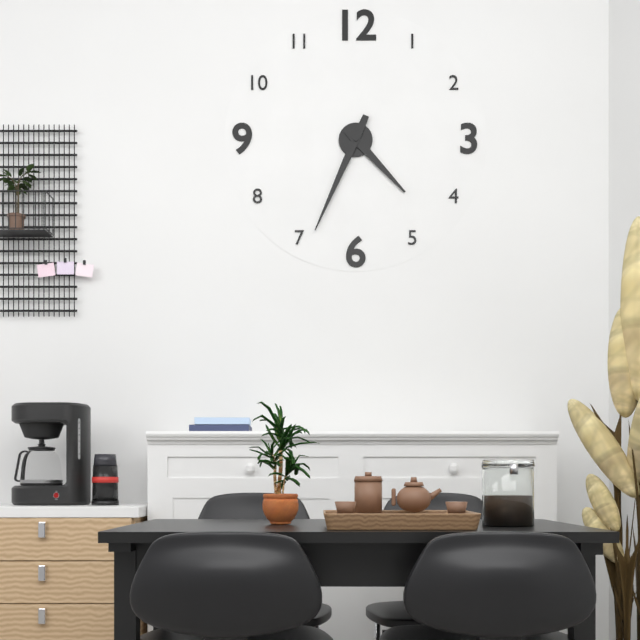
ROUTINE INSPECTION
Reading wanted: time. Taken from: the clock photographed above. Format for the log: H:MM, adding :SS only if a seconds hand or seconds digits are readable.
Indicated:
4:34
